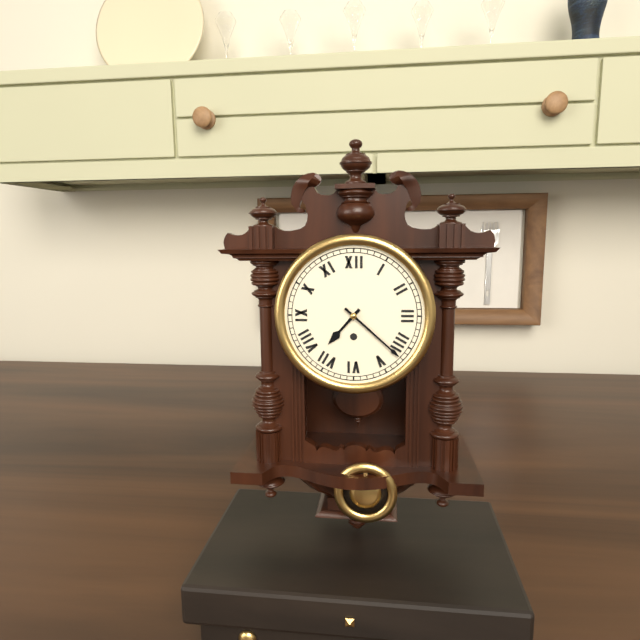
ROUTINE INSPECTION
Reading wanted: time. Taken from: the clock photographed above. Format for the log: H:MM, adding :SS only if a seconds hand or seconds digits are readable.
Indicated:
7:22
